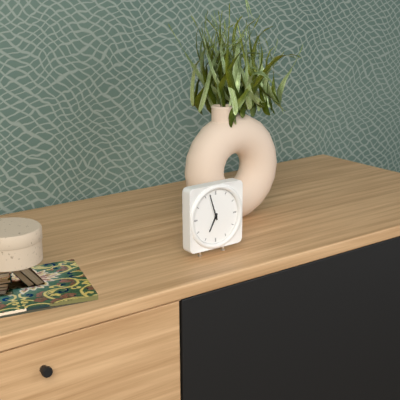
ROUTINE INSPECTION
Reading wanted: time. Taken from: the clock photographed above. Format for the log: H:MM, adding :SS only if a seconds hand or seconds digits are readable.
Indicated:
6:57
